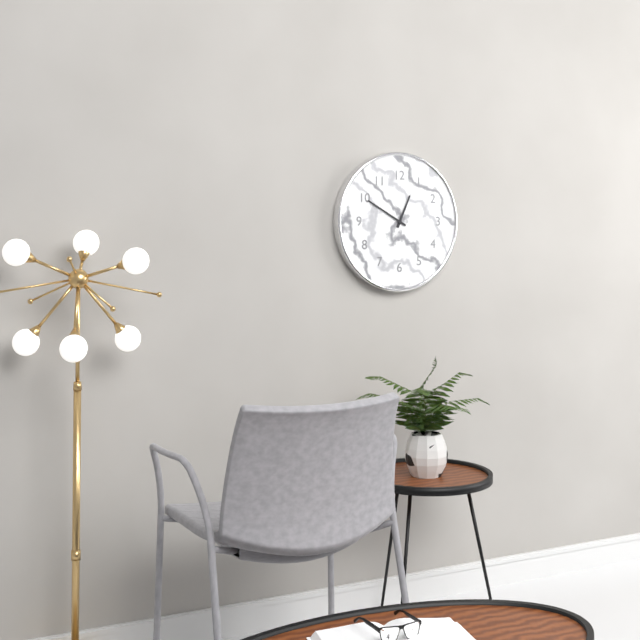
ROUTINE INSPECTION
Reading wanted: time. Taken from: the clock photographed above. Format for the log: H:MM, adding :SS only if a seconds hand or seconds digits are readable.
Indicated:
12:50
